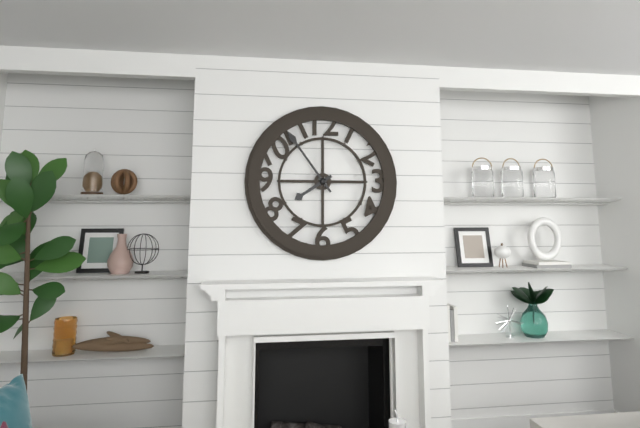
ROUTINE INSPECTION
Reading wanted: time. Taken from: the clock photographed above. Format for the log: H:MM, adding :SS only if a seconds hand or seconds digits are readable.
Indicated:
7:54
